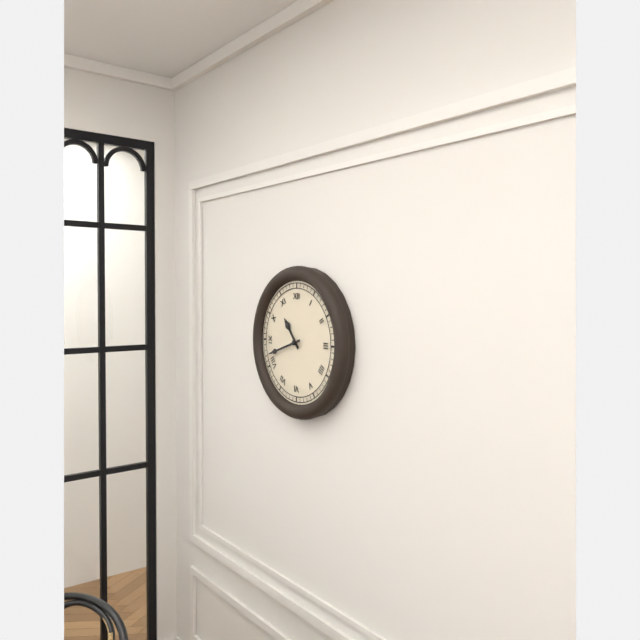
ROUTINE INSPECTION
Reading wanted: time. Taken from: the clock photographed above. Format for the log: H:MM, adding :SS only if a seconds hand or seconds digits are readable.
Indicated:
10:42
